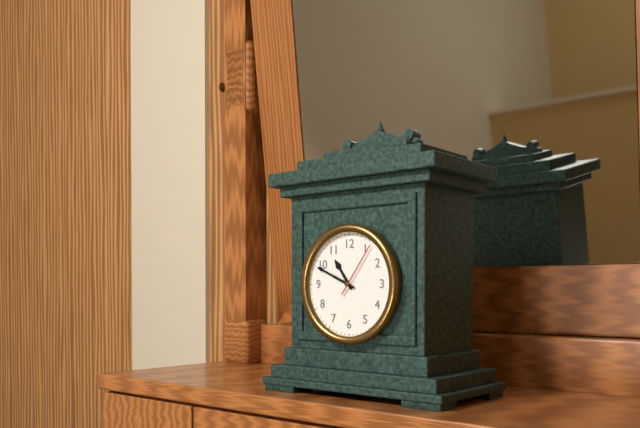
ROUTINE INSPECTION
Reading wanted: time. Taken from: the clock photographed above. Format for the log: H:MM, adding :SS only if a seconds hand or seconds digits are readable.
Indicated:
10:49:06
